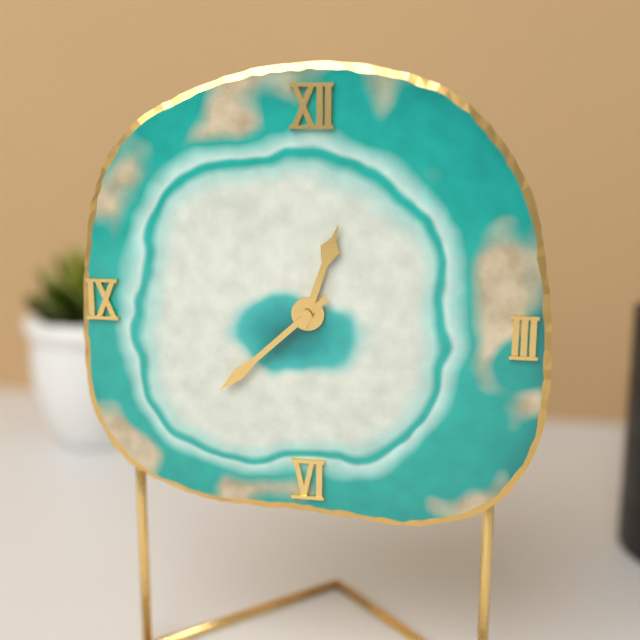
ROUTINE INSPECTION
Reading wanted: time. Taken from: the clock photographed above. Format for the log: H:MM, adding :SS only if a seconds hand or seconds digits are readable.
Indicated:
12:38
